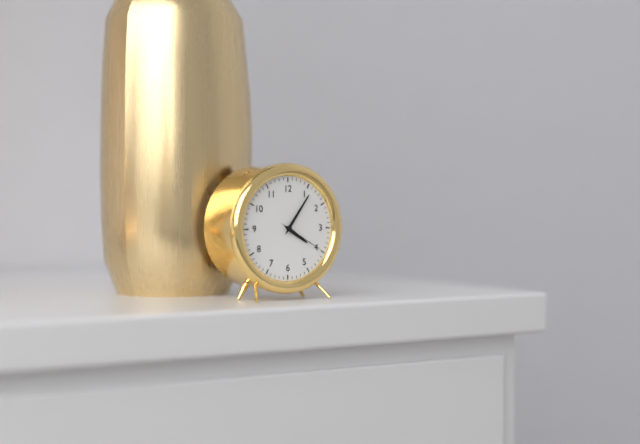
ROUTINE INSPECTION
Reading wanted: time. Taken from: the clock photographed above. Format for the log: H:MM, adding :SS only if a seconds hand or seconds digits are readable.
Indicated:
4:06
